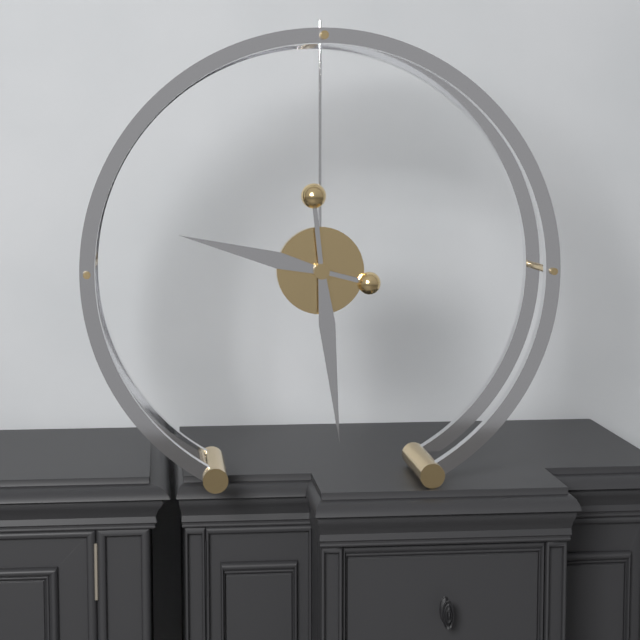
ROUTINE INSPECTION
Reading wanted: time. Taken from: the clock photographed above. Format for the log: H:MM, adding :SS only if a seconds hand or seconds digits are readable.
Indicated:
9:29
